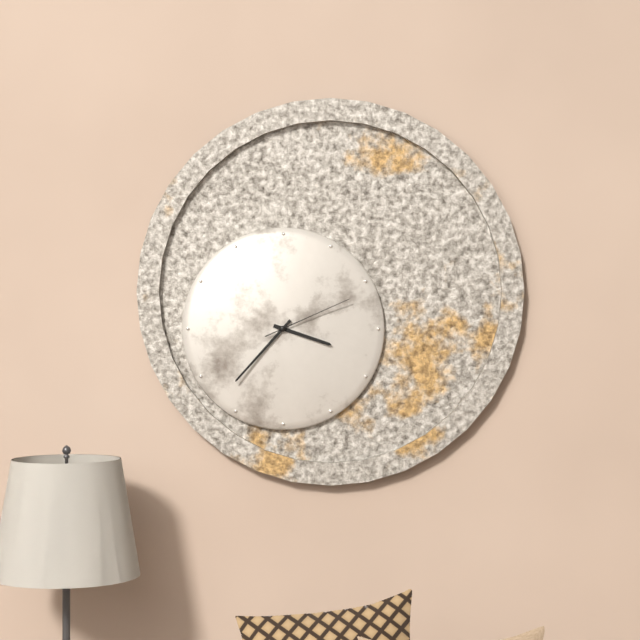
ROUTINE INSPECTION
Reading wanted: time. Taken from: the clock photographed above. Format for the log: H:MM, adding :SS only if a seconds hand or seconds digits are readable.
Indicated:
3:37:11
